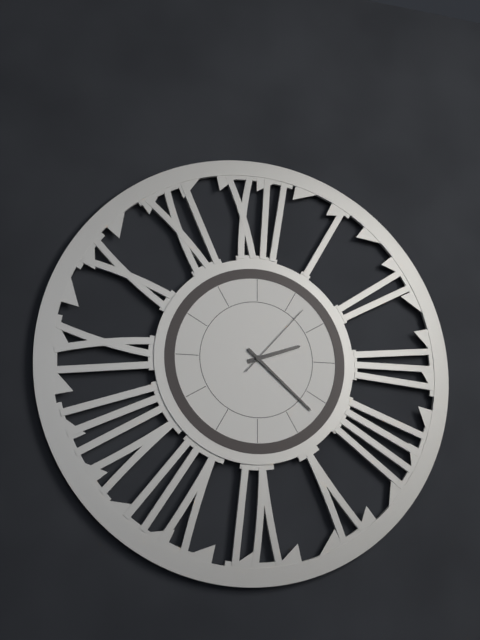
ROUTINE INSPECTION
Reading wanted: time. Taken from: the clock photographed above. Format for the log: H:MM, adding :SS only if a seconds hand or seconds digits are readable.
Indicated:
2:22:07
